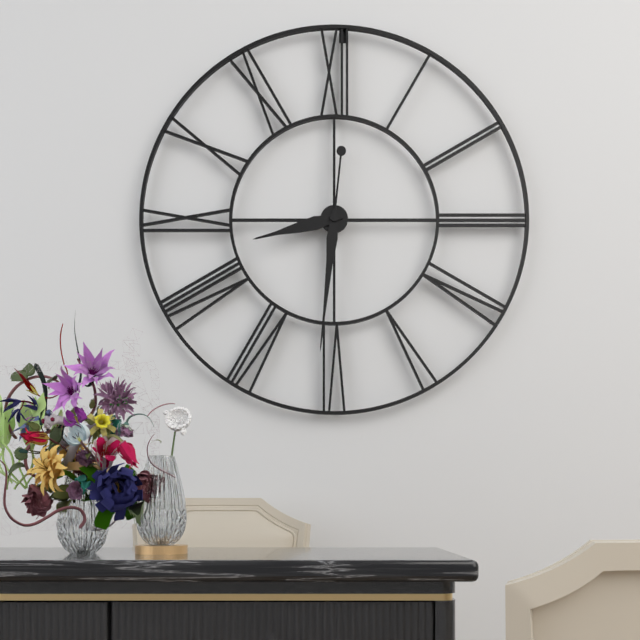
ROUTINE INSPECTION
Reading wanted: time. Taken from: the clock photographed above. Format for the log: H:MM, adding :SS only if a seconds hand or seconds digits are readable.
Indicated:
8:31
